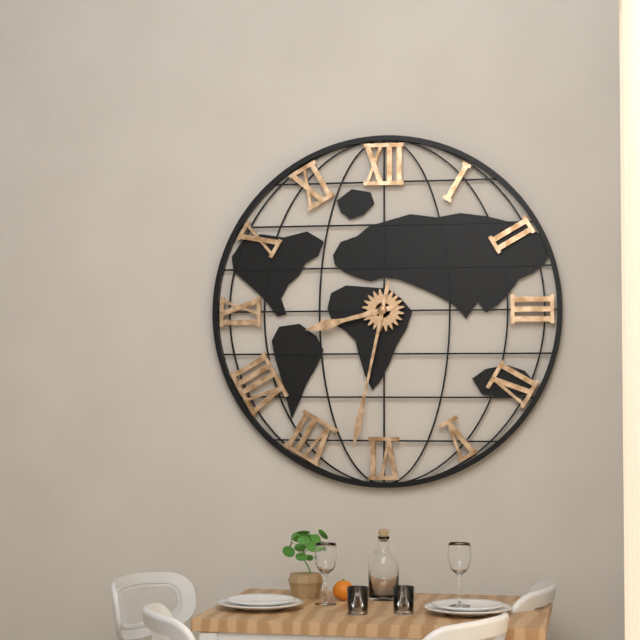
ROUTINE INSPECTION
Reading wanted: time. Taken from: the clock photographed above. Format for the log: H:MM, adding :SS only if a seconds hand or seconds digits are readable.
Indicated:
8:32
